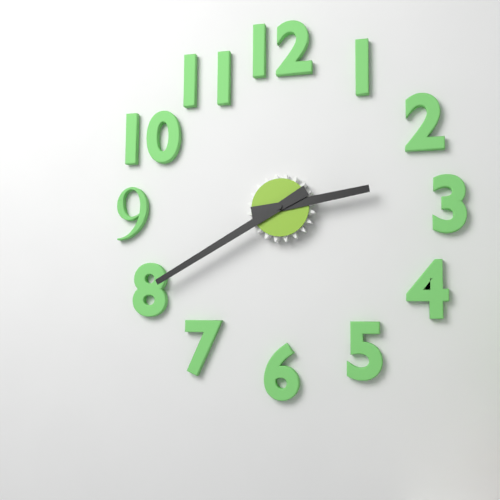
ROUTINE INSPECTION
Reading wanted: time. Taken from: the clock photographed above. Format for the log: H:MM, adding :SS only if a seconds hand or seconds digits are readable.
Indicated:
2:40
